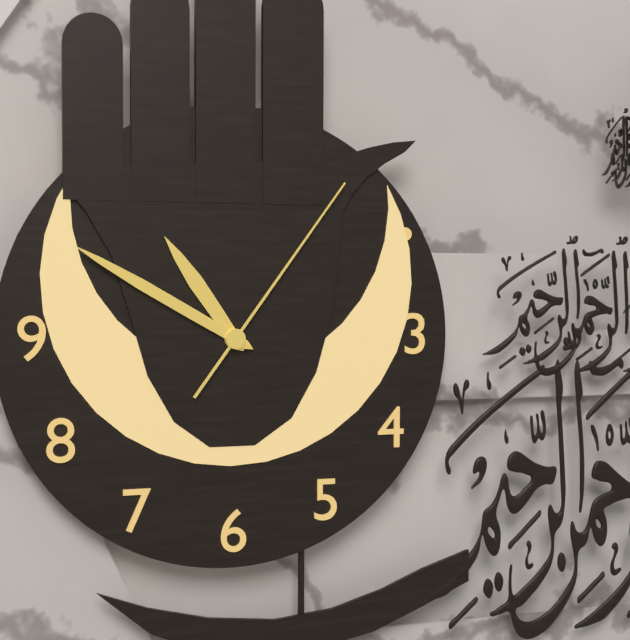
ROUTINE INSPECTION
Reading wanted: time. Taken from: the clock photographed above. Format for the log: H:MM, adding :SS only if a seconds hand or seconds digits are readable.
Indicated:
10:50:06
